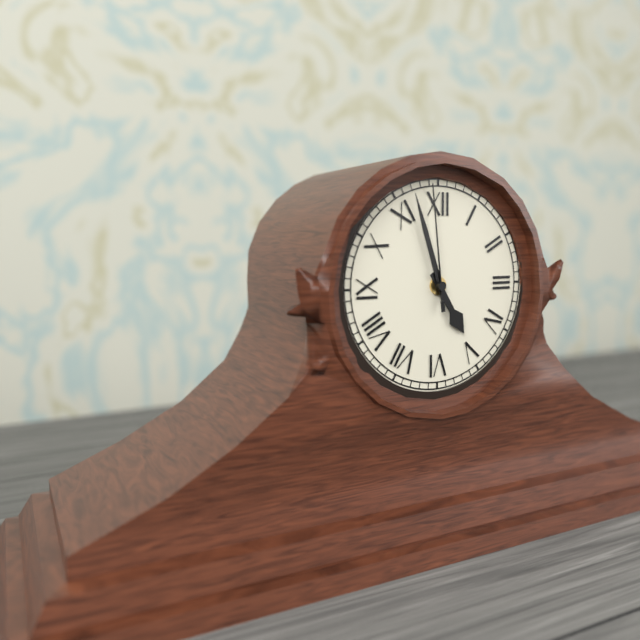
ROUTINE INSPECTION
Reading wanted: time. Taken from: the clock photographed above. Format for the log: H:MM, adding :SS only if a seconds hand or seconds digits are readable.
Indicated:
4:57:59
